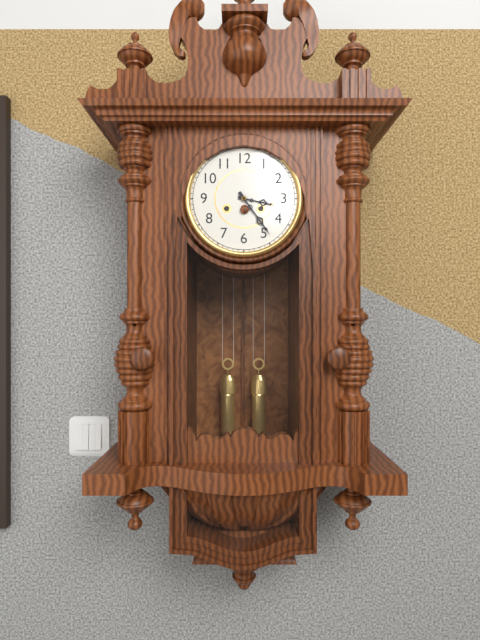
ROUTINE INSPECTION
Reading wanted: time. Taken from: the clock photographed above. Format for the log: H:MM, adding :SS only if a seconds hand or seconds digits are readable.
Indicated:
3:24
